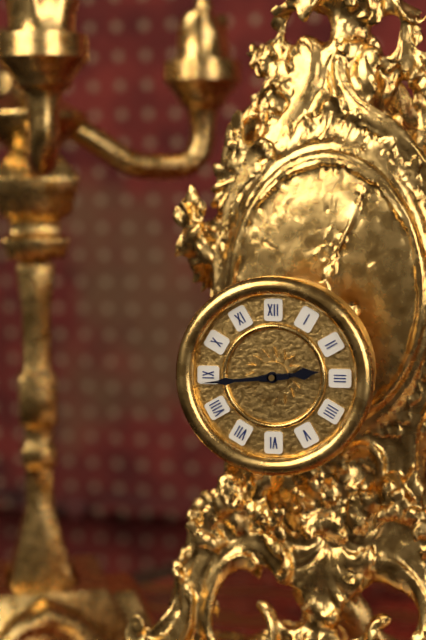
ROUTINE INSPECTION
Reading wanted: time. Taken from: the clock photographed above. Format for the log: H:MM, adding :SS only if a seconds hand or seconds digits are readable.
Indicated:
2:44
